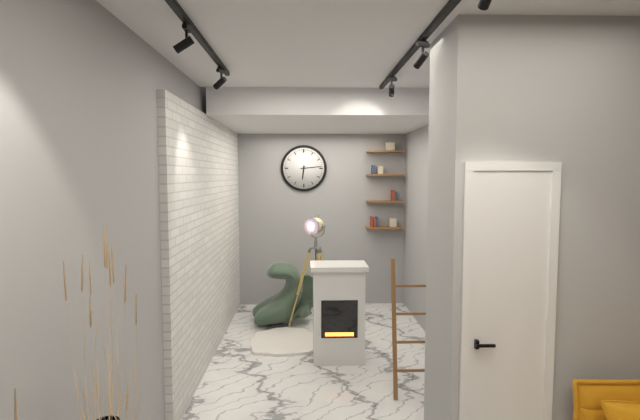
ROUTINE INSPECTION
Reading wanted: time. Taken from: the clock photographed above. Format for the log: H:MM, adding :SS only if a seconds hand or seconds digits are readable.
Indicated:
6:14
